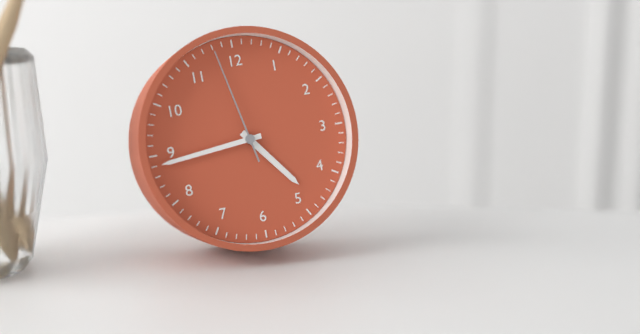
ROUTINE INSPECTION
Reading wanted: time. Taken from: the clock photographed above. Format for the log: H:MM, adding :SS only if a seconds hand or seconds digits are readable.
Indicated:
4:44:58
